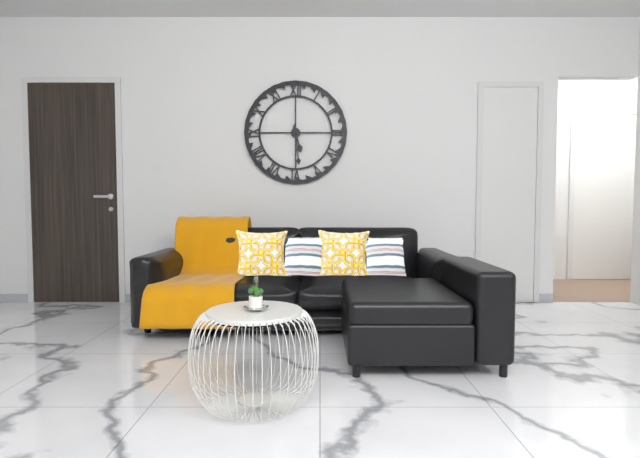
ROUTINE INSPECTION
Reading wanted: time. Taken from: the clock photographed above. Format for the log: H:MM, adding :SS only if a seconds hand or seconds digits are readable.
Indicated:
5:29
